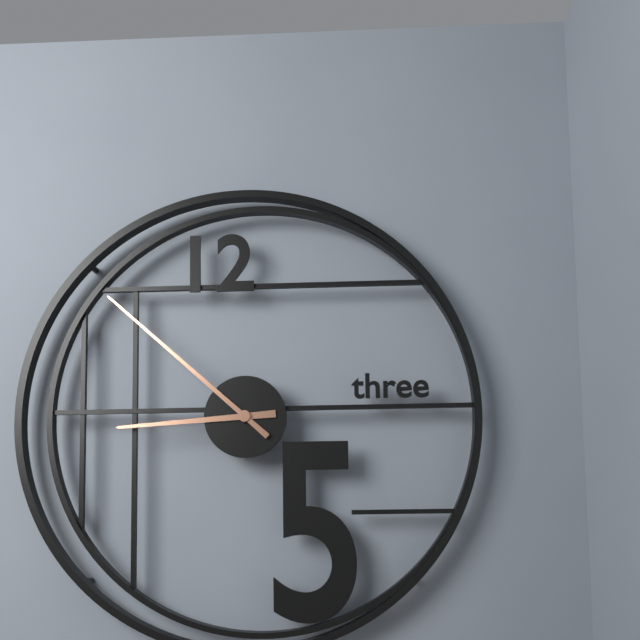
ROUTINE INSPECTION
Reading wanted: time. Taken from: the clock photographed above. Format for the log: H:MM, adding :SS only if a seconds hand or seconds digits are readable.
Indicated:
8:52
